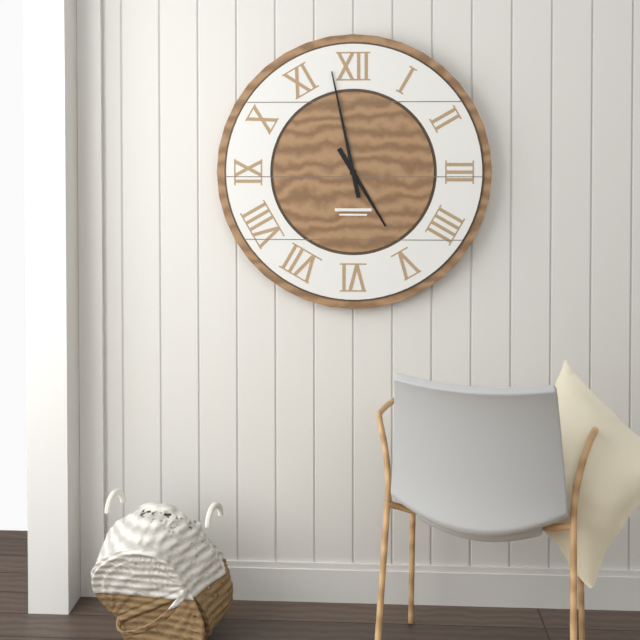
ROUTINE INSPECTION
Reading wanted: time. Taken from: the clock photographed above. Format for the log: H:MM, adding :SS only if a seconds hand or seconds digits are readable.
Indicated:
4:58
